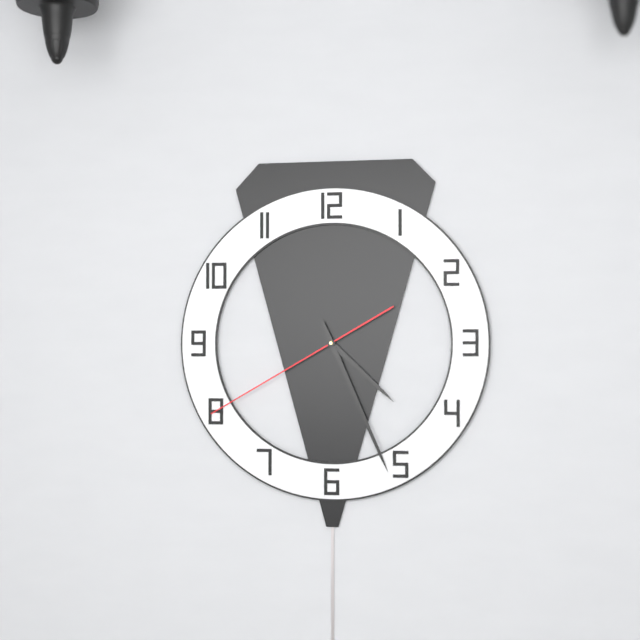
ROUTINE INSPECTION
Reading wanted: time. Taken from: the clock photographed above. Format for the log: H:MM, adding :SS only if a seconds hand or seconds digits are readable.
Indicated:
4:26:40
